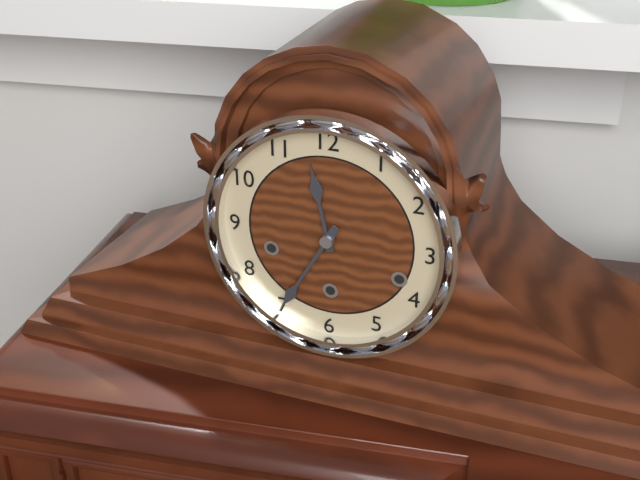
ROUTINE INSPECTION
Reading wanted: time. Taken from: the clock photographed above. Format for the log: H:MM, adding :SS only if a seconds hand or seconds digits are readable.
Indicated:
11:35
